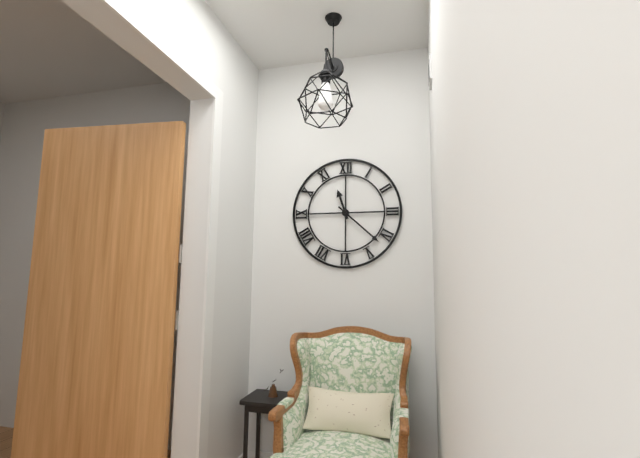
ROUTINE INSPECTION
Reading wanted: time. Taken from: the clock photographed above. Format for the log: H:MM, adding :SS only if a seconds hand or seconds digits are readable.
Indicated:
11:22
